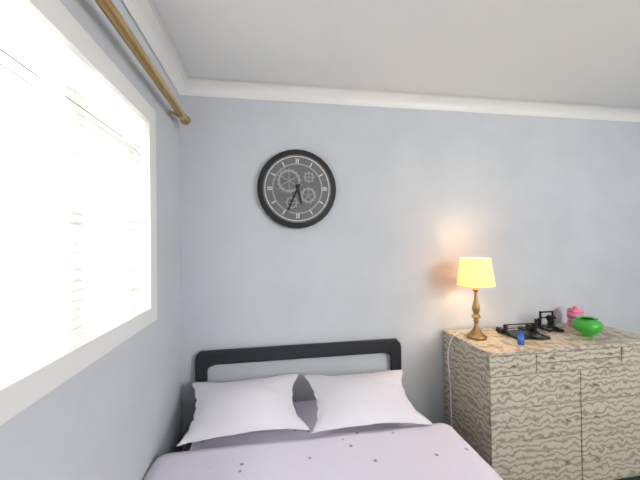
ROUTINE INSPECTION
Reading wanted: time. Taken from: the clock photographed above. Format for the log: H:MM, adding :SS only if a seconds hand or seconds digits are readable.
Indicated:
5:34
